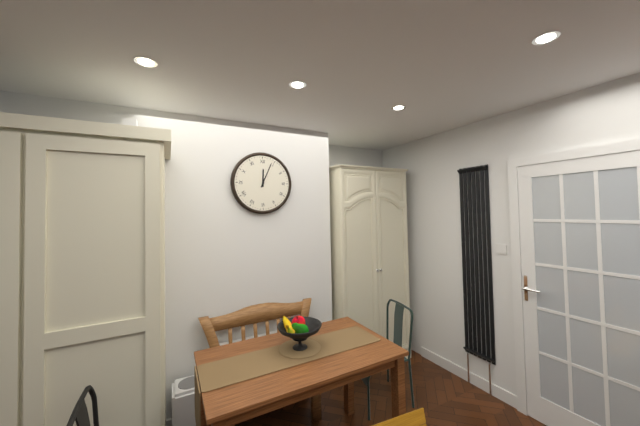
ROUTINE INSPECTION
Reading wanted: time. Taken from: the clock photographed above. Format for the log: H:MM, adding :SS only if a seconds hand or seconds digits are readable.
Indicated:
12:04
